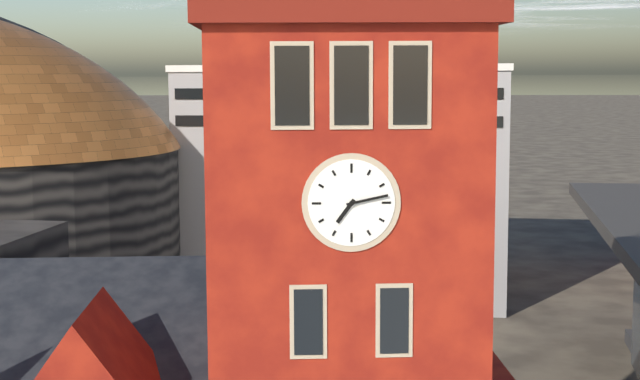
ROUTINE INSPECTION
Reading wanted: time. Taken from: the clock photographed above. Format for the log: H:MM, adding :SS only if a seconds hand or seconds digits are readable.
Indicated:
7:13
